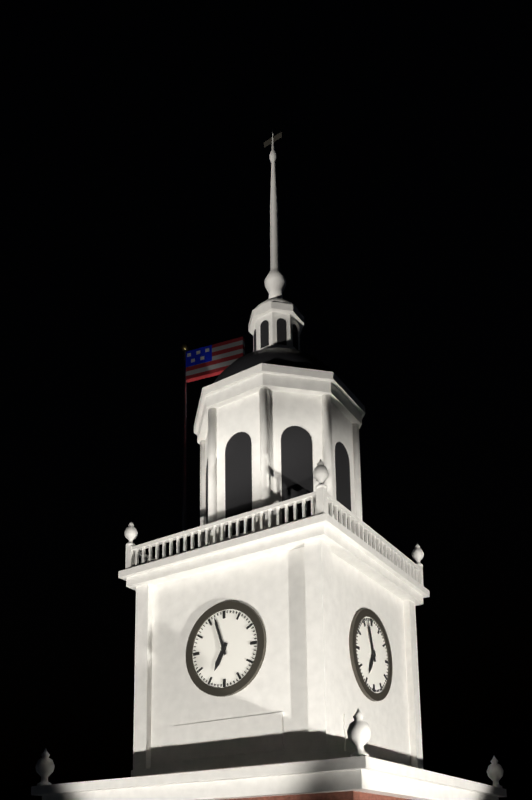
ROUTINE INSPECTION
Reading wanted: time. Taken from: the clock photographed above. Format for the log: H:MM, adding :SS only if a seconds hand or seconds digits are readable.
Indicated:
6:57
